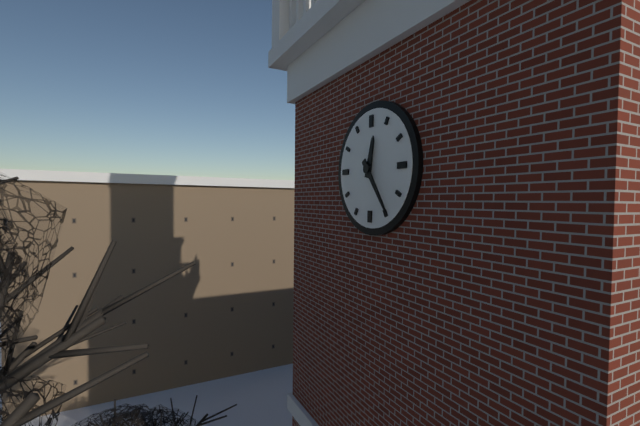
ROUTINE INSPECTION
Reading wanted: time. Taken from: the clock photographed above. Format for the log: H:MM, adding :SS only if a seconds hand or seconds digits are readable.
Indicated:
12:24
